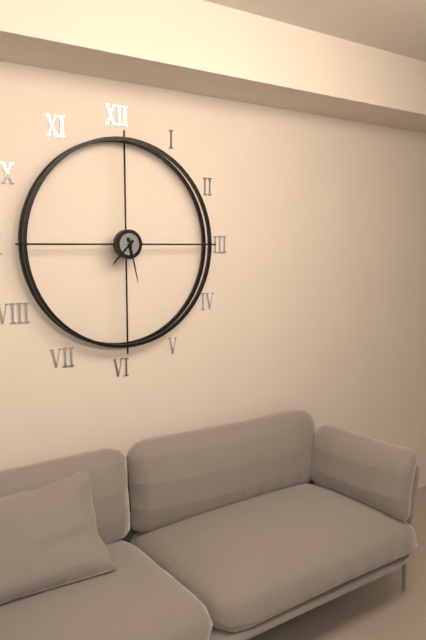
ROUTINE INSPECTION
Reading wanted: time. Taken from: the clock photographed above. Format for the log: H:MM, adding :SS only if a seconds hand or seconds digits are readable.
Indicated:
7:28
